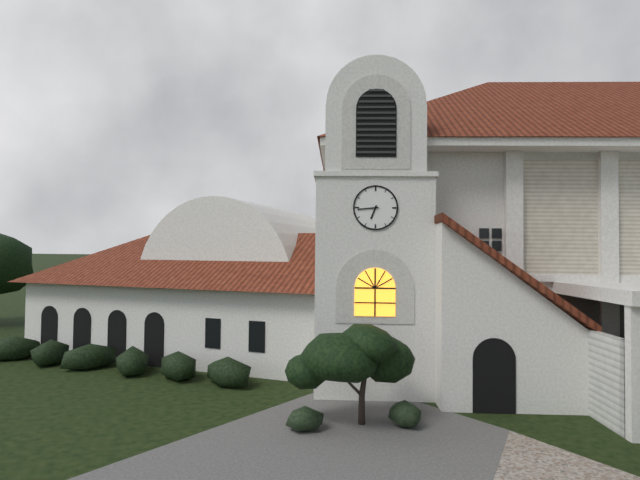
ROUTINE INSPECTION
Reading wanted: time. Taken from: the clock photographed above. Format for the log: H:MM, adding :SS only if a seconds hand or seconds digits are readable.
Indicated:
6:44
